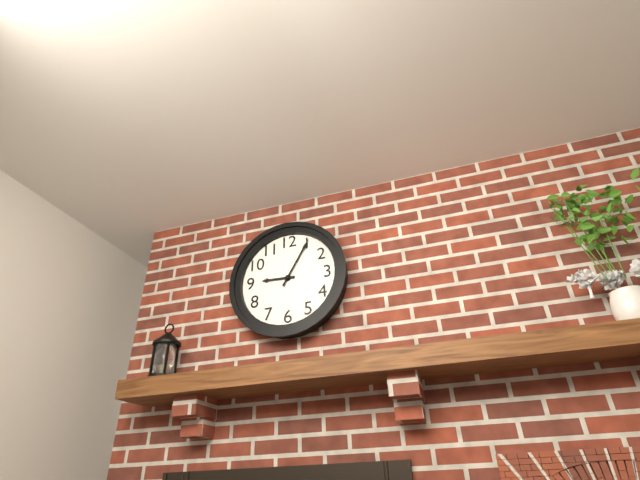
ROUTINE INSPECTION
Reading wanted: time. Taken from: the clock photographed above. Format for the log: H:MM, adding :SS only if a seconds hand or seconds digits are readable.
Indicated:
9:05
